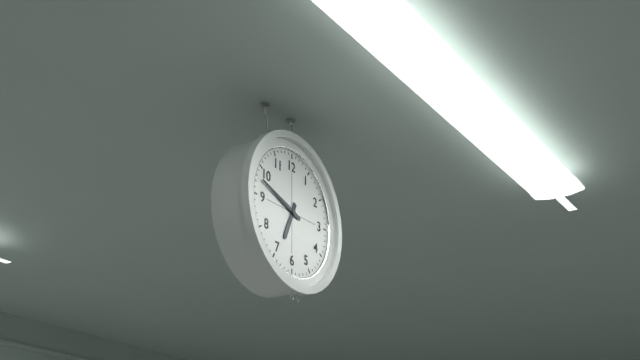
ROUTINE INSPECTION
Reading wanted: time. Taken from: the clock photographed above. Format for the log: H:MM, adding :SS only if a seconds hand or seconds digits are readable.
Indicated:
6:48
